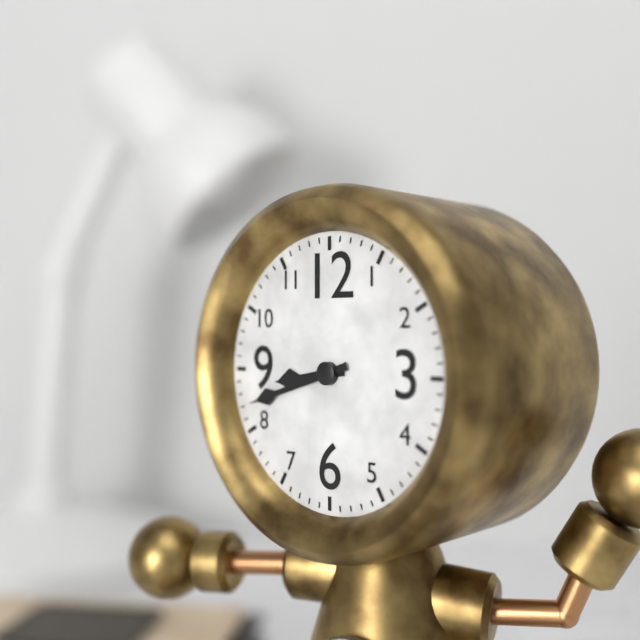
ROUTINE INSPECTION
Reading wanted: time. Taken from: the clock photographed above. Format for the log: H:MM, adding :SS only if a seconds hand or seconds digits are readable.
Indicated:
8:42
